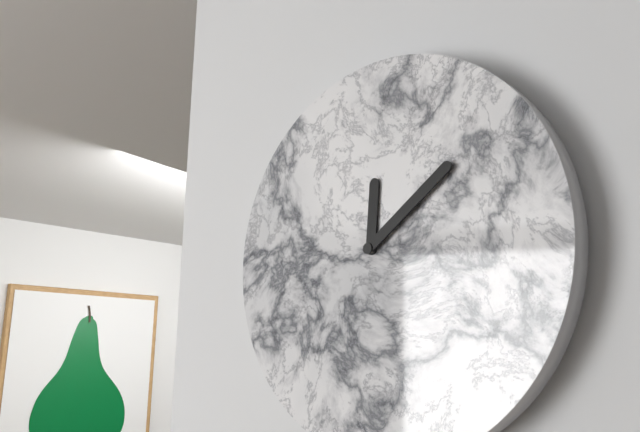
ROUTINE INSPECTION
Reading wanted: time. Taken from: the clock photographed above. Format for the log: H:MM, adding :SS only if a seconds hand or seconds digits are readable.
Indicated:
12:09
